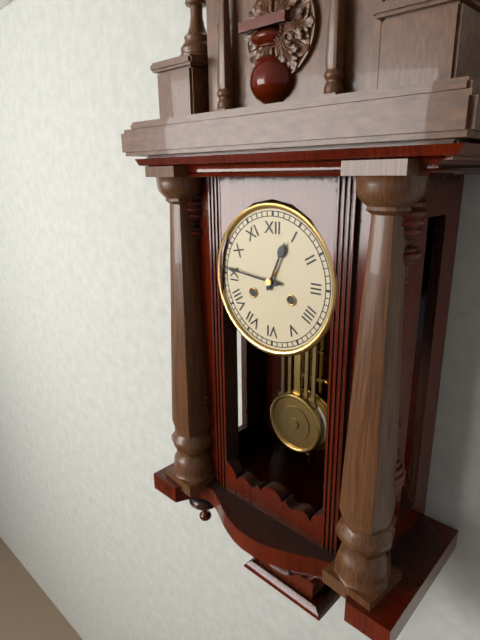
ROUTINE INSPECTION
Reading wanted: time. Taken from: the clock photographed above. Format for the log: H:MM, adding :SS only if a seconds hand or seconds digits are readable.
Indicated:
12:46
